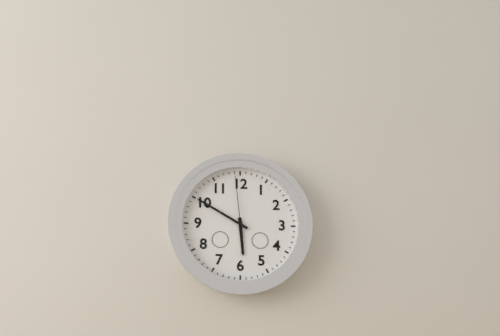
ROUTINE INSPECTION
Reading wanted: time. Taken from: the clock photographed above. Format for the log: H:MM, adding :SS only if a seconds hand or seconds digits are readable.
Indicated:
5:50:59
